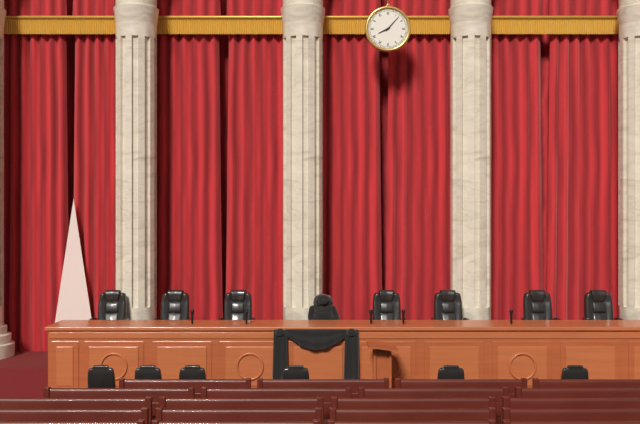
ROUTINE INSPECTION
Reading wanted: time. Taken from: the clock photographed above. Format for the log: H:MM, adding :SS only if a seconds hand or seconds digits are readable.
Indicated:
8:07
